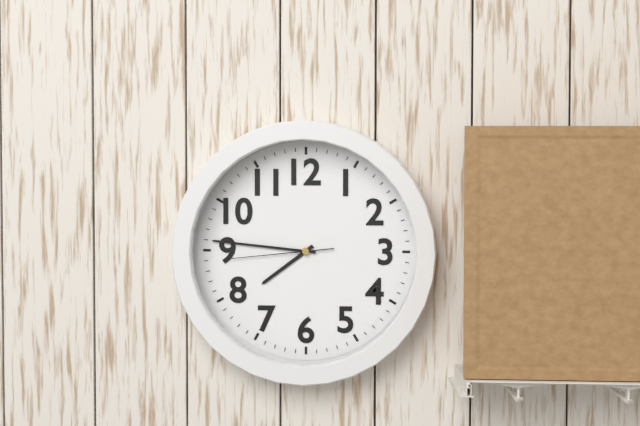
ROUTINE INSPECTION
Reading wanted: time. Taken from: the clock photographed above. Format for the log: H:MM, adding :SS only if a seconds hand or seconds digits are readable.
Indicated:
7:46:44
